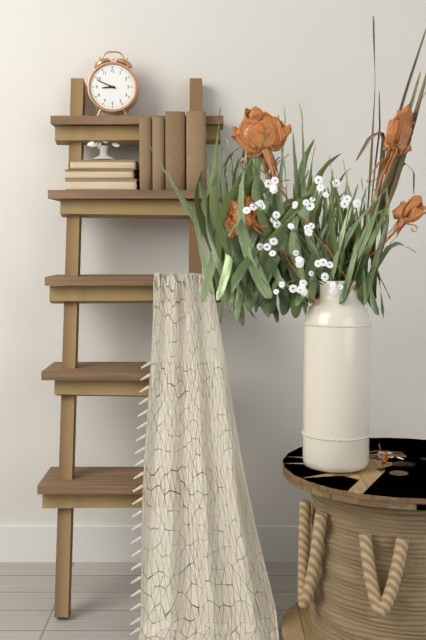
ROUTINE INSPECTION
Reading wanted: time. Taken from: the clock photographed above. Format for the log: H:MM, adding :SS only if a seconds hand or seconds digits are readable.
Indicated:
8:49
